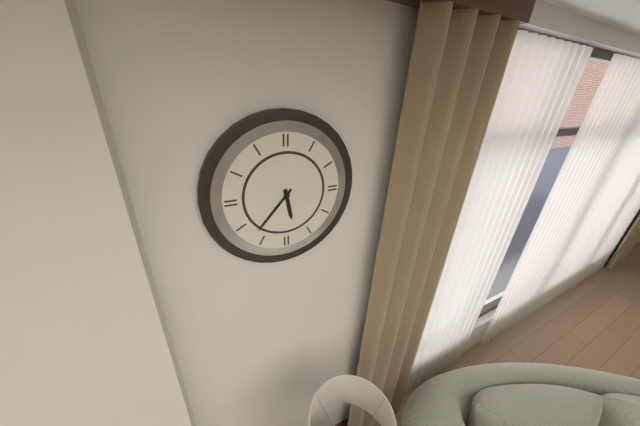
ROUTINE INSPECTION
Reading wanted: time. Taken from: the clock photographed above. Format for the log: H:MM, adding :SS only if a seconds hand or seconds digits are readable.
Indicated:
5:37
